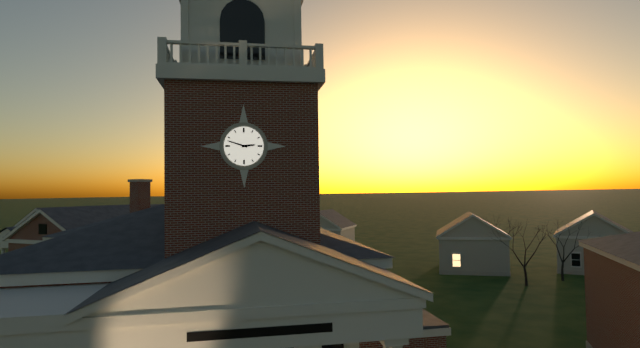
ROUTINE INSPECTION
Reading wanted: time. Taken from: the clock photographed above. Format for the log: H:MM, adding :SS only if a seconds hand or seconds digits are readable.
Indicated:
2:48
